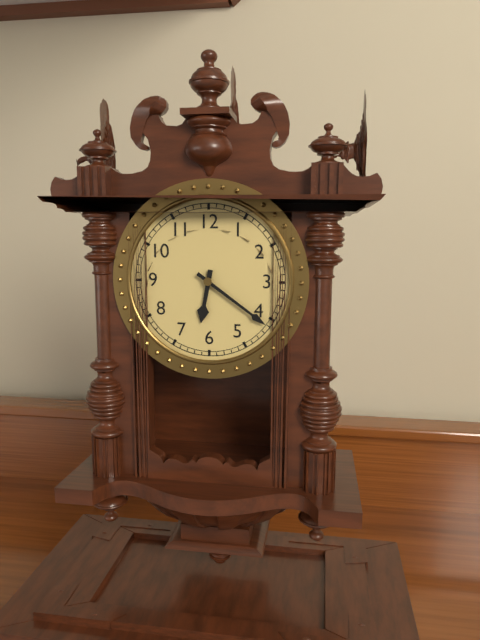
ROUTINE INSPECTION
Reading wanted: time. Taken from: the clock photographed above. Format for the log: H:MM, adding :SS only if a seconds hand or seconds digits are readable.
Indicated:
6:21
